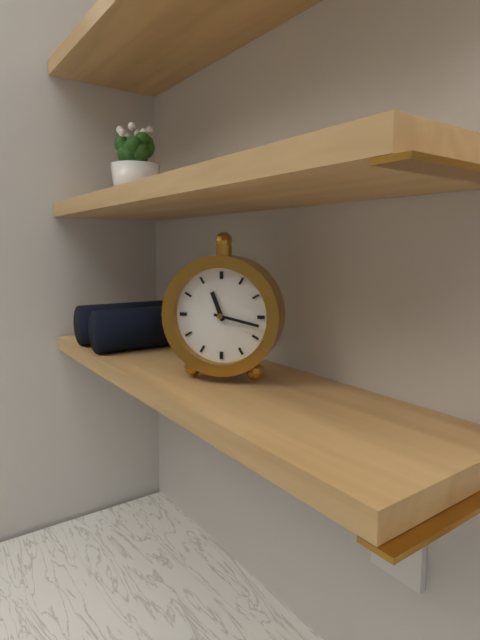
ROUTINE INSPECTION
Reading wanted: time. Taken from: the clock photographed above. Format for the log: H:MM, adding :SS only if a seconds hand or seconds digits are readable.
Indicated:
11:17
